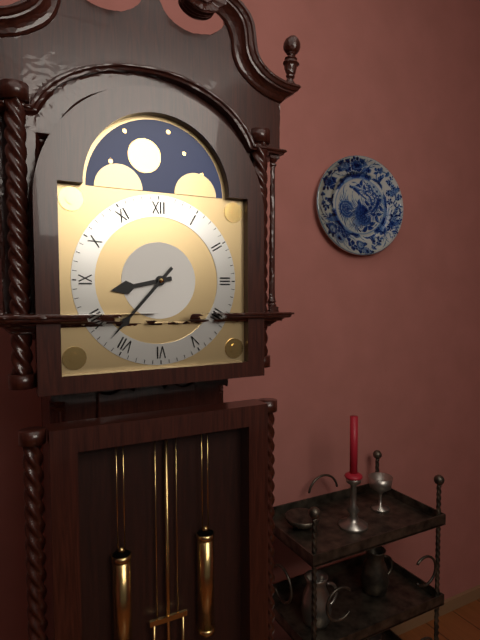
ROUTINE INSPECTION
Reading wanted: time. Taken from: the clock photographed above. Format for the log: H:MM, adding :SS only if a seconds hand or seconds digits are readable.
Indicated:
8:37
